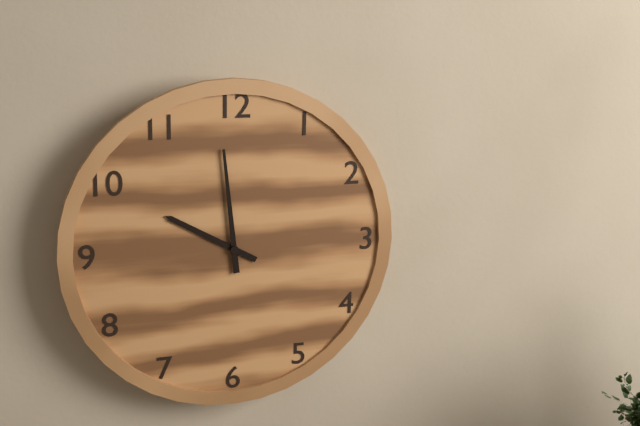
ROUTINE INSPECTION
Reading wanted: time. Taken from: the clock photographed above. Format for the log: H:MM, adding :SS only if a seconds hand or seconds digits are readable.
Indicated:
9:59
